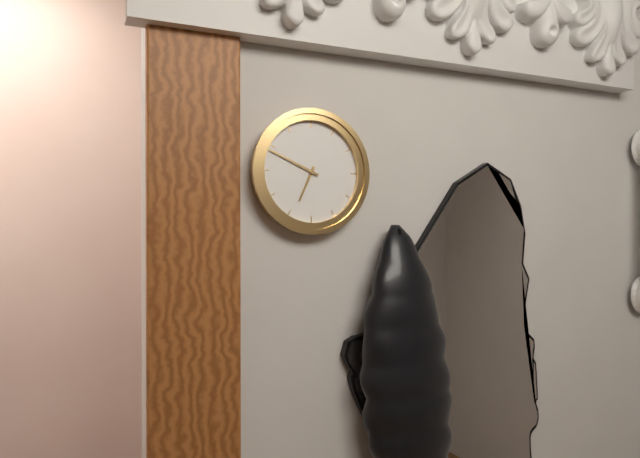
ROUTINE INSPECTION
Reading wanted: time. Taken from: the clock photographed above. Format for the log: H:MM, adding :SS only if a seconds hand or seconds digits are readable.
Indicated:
6:49
